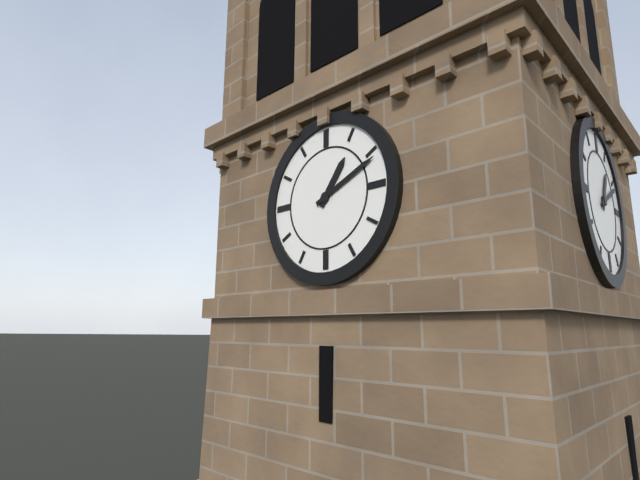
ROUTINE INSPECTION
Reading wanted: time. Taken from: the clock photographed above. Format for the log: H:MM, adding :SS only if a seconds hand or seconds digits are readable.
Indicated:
1:11
